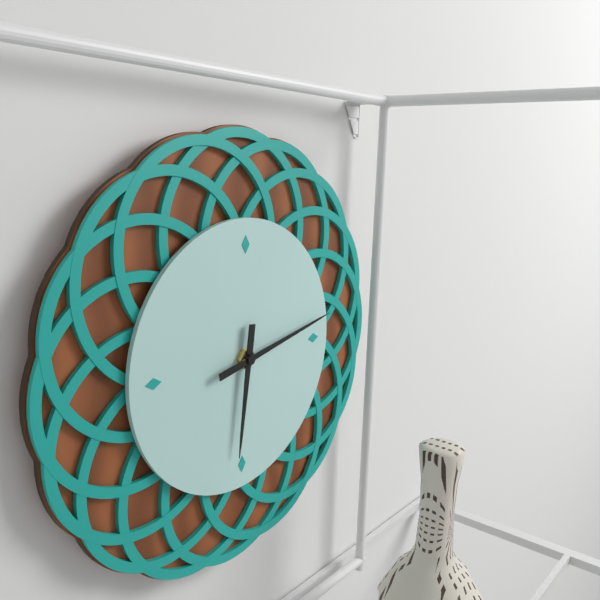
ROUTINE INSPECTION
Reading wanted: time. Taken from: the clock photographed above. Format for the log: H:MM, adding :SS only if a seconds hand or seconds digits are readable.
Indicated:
6:13
